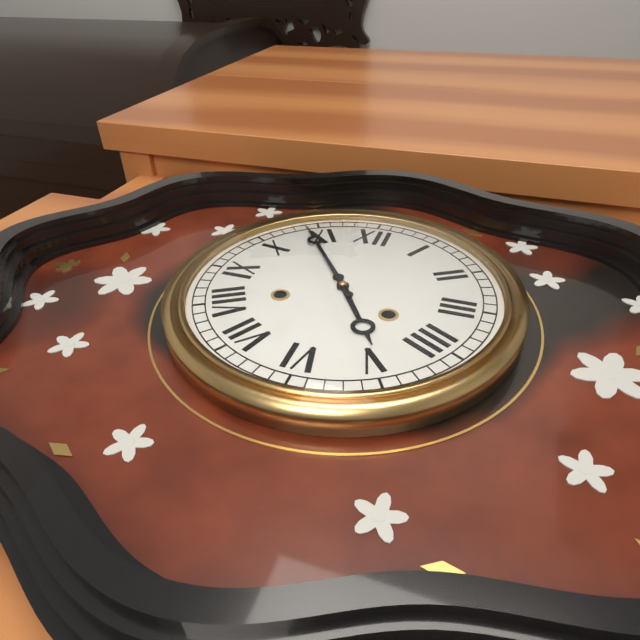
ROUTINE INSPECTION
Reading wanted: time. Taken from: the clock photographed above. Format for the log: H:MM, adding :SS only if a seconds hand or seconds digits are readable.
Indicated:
4:54
